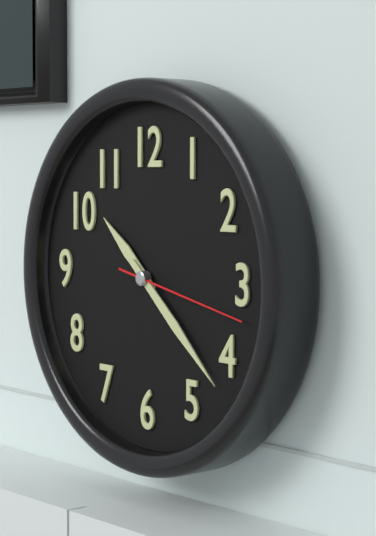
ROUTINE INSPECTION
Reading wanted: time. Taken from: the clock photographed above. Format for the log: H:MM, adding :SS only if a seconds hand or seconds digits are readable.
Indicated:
10:22:17
